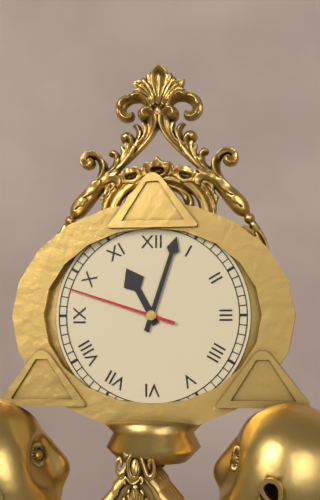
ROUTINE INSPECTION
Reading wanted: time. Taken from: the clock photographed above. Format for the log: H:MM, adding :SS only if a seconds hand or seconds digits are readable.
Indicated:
11:03:48
